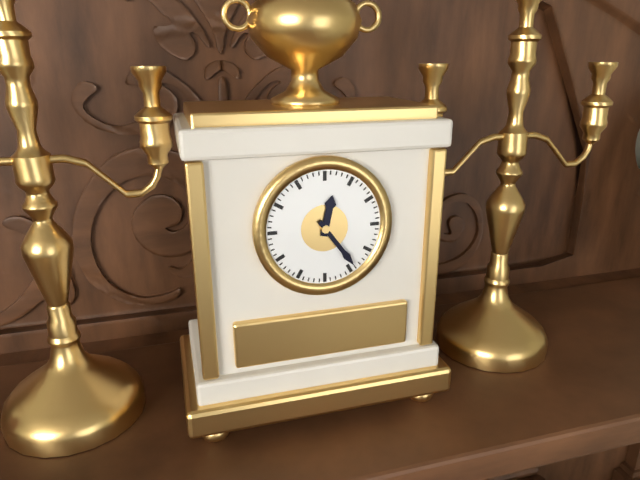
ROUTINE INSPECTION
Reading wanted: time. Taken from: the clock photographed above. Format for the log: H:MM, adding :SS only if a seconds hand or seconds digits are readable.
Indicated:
12:24
